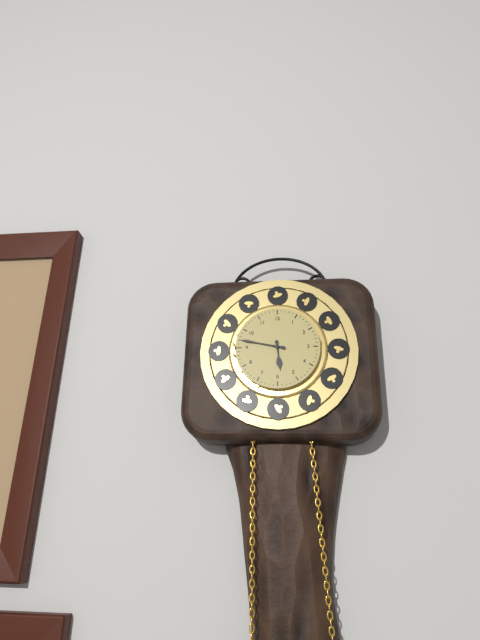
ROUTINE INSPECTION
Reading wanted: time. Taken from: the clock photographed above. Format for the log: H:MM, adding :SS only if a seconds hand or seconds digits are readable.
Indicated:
5:47
